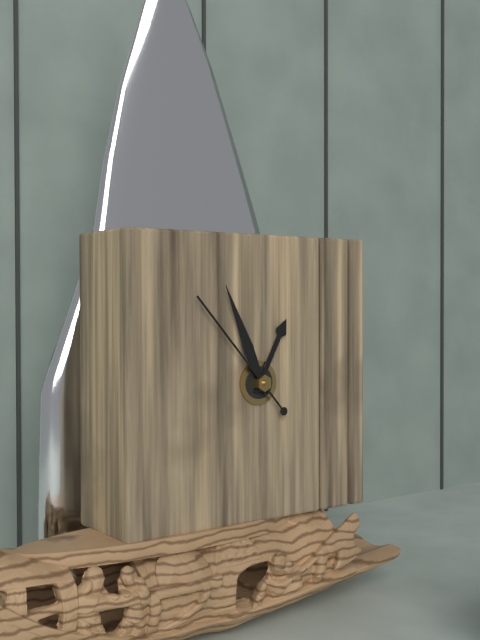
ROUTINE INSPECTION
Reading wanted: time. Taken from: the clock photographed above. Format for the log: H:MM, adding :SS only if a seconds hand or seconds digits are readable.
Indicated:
12:56:53
